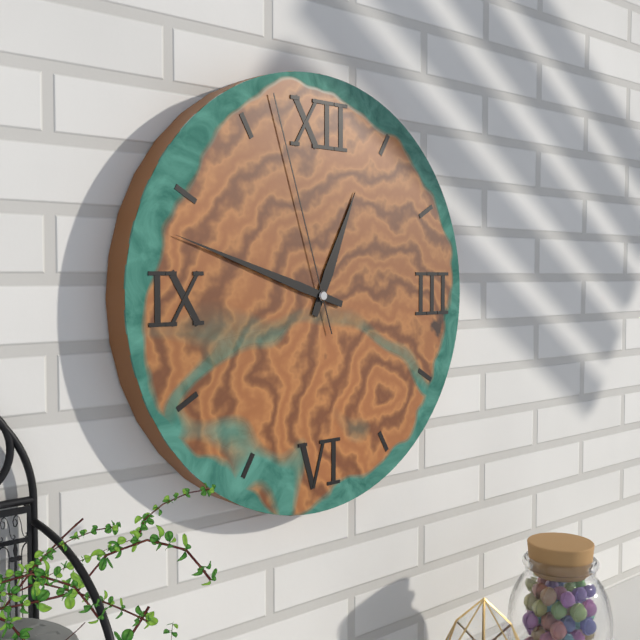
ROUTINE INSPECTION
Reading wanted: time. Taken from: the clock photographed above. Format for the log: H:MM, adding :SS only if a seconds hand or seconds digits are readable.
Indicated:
12:48:57
